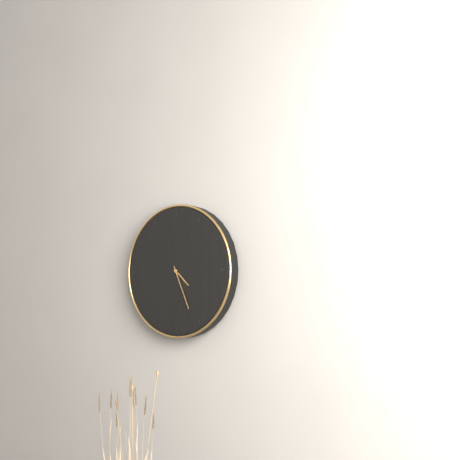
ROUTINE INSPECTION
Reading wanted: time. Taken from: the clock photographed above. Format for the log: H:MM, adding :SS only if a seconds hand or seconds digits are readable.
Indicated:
4:26
